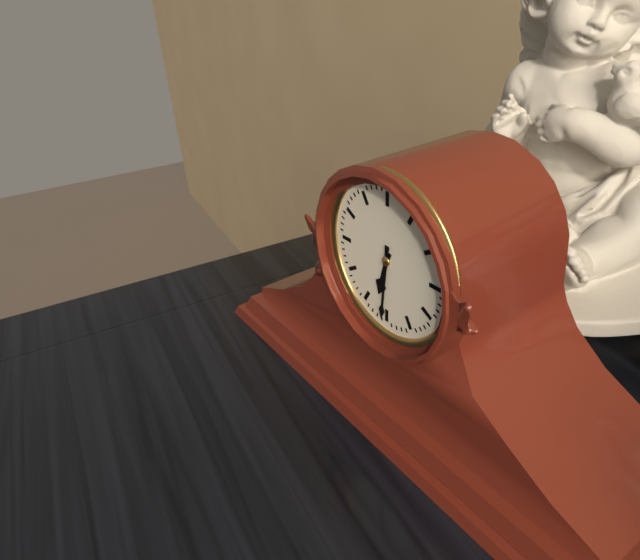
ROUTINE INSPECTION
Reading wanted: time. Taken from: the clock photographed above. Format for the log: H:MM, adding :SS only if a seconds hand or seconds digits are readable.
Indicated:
6:31
